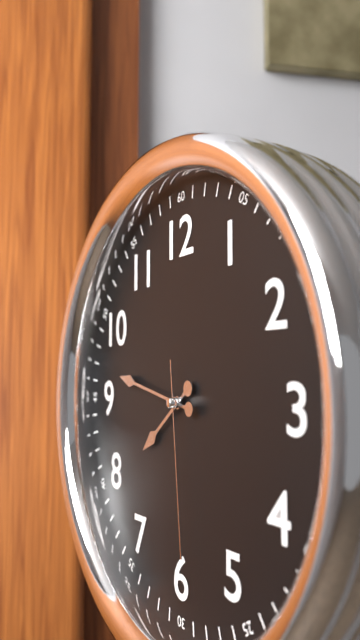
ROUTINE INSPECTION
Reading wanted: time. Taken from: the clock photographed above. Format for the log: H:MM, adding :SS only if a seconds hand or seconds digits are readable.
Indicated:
7:47:29
